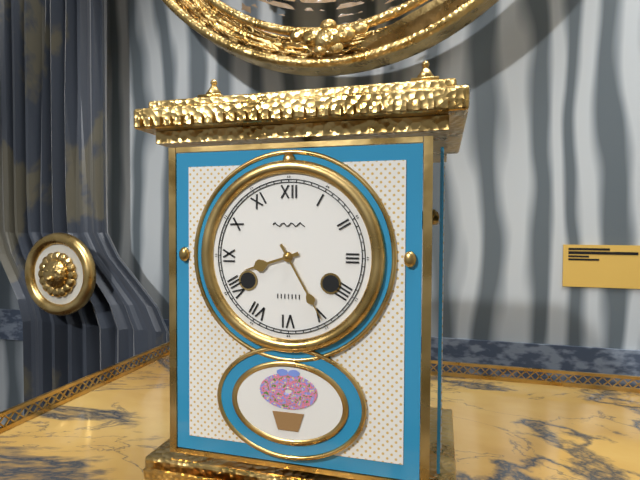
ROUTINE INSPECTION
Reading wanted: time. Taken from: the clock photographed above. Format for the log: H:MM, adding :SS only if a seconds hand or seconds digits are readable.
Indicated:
8:25
